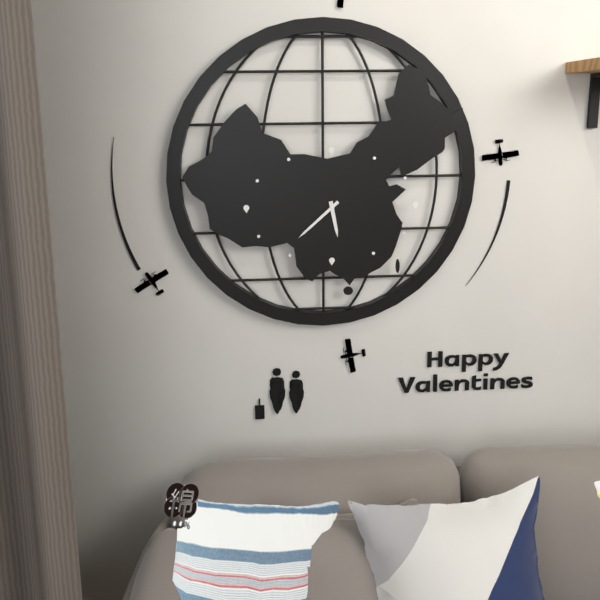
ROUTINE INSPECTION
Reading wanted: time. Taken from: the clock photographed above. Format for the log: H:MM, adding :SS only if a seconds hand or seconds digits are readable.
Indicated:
5:38
